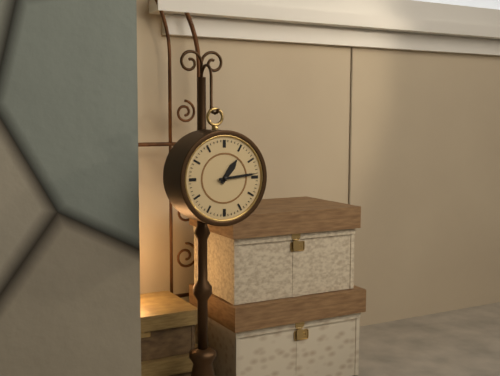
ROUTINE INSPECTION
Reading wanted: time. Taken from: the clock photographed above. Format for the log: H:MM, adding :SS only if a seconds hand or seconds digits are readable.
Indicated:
1:14
